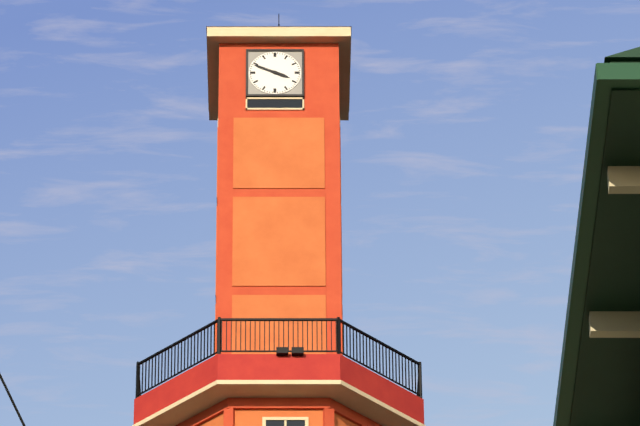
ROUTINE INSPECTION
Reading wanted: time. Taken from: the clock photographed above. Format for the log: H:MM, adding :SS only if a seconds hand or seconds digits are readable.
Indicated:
3:49
